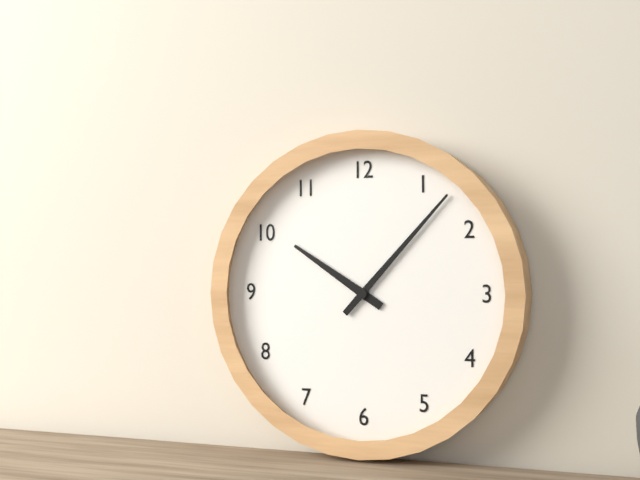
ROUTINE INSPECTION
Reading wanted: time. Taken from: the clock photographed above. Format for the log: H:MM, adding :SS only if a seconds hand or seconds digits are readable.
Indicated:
10:07
